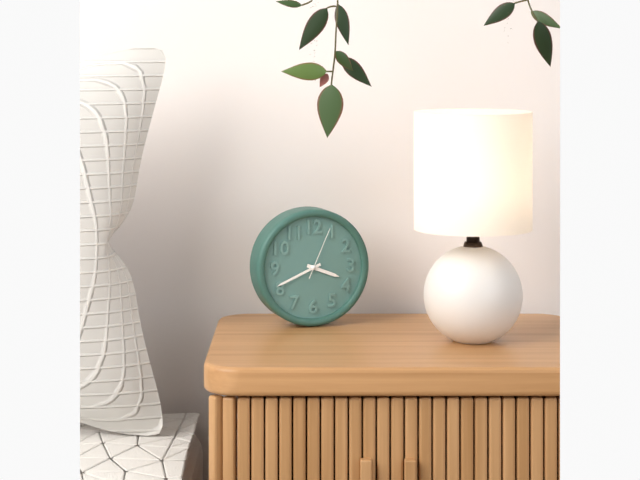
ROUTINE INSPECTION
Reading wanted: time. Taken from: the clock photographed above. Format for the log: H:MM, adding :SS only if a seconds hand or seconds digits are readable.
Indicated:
3:41:04
